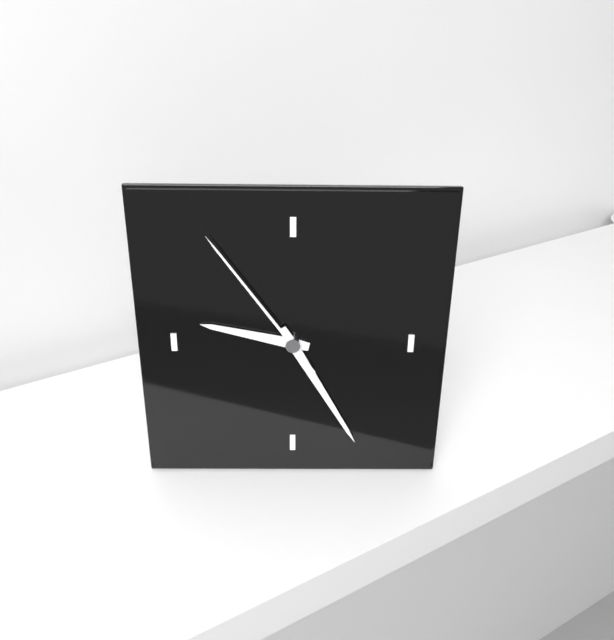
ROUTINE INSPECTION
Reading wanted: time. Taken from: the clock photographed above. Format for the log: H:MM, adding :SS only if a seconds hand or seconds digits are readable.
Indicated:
9:25:54
